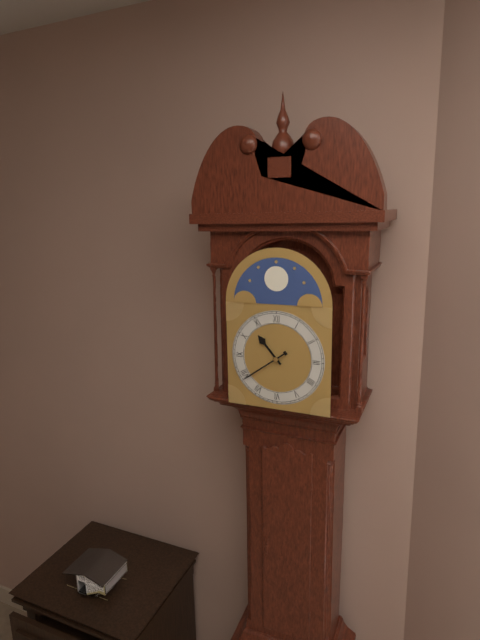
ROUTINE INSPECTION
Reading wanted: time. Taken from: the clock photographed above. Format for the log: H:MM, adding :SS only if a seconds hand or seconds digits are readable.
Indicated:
10:39
